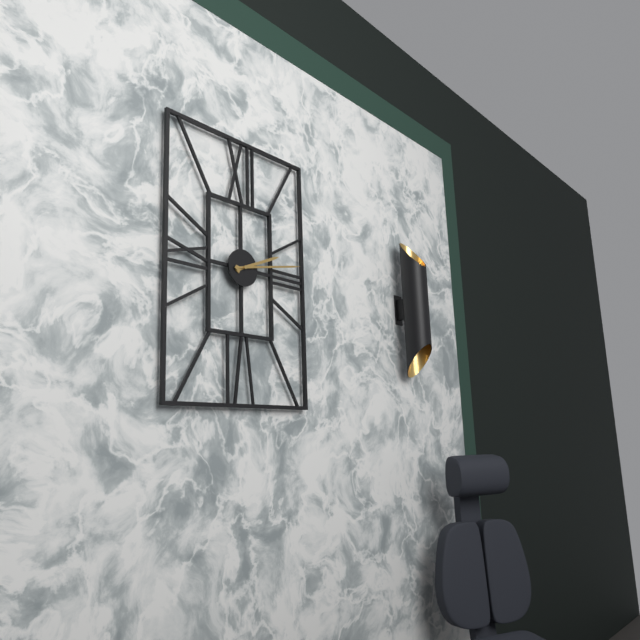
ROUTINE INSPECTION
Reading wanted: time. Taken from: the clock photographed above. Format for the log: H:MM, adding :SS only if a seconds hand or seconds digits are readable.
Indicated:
2:13
